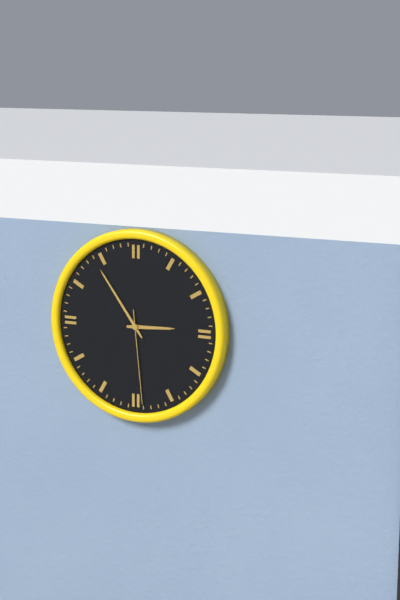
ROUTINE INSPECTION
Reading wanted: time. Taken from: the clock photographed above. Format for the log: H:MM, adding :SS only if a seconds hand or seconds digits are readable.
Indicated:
2:54:29
